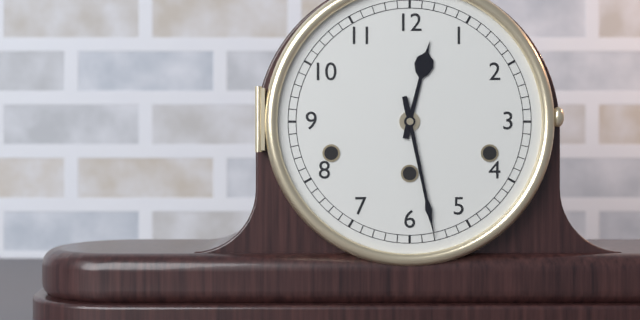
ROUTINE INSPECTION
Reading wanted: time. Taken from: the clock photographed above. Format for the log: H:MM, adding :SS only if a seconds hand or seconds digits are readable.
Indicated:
12:28
